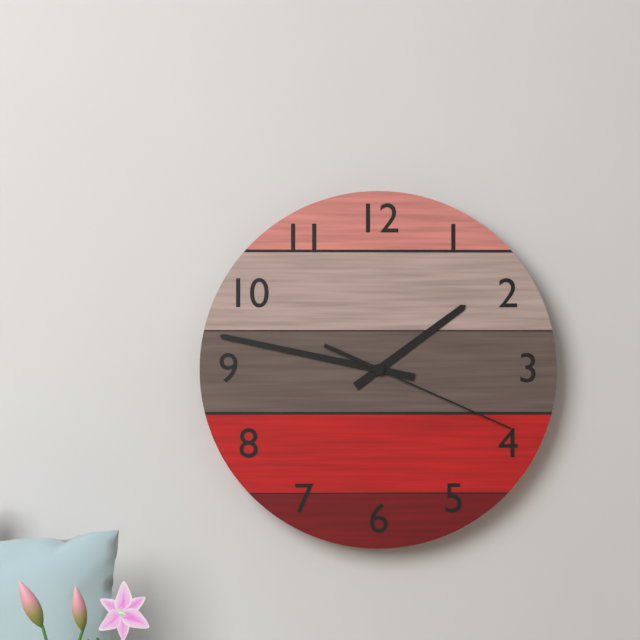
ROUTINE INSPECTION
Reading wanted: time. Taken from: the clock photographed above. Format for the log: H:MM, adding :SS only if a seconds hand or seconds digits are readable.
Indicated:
1:47:19
